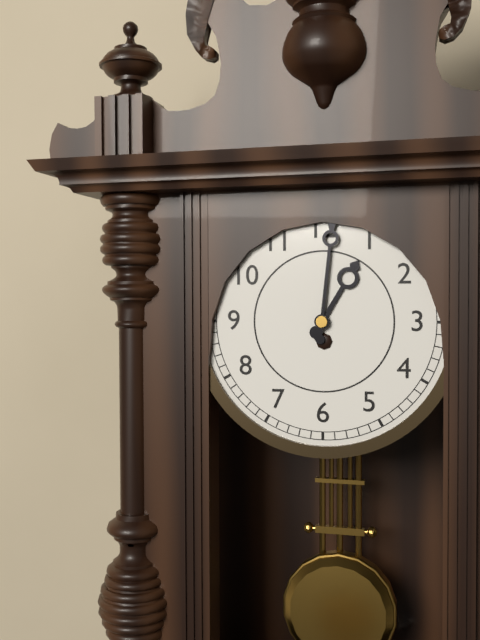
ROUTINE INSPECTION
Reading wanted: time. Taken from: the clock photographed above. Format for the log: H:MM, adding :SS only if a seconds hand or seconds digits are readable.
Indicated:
1:01
